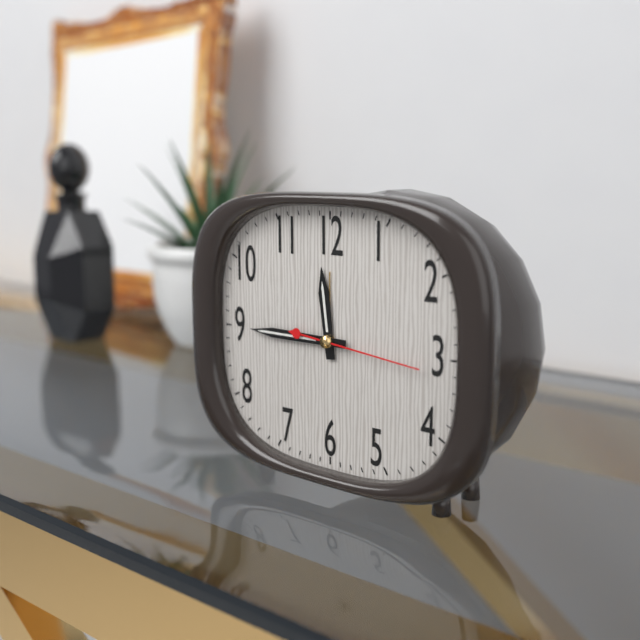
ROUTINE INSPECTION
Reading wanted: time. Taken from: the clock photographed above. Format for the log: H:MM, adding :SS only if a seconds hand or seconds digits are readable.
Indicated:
11:45:16
